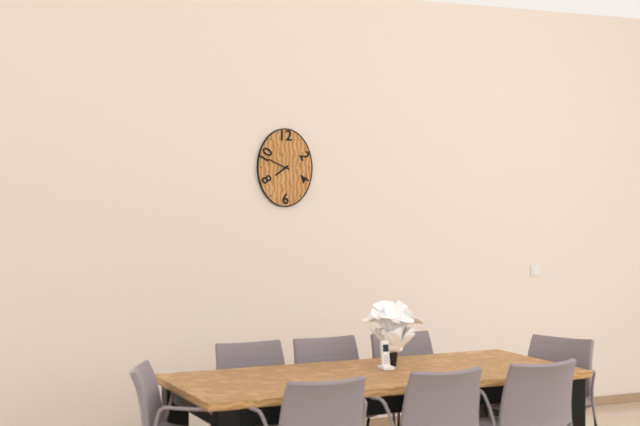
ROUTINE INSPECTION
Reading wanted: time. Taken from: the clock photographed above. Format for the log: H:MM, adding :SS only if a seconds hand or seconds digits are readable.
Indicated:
7:49
